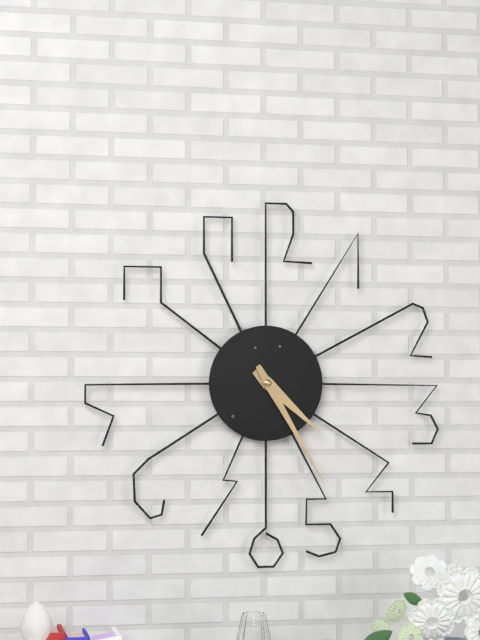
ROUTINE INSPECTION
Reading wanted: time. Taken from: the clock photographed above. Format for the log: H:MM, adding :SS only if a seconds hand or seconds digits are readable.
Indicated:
4:25
